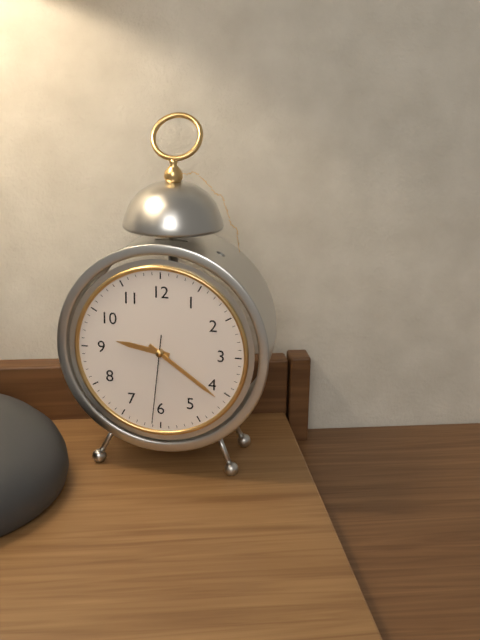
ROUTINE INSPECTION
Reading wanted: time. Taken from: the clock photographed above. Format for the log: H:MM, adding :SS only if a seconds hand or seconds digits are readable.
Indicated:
9:21:31
